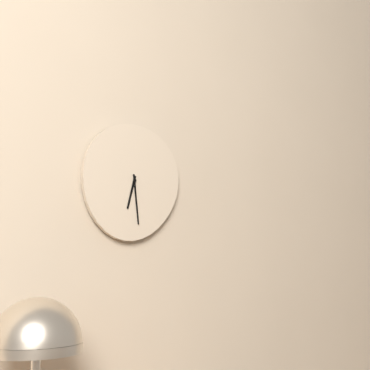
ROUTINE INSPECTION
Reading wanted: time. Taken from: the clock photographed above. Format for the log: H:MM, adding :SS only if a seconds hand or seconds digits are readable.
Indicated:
6:29
